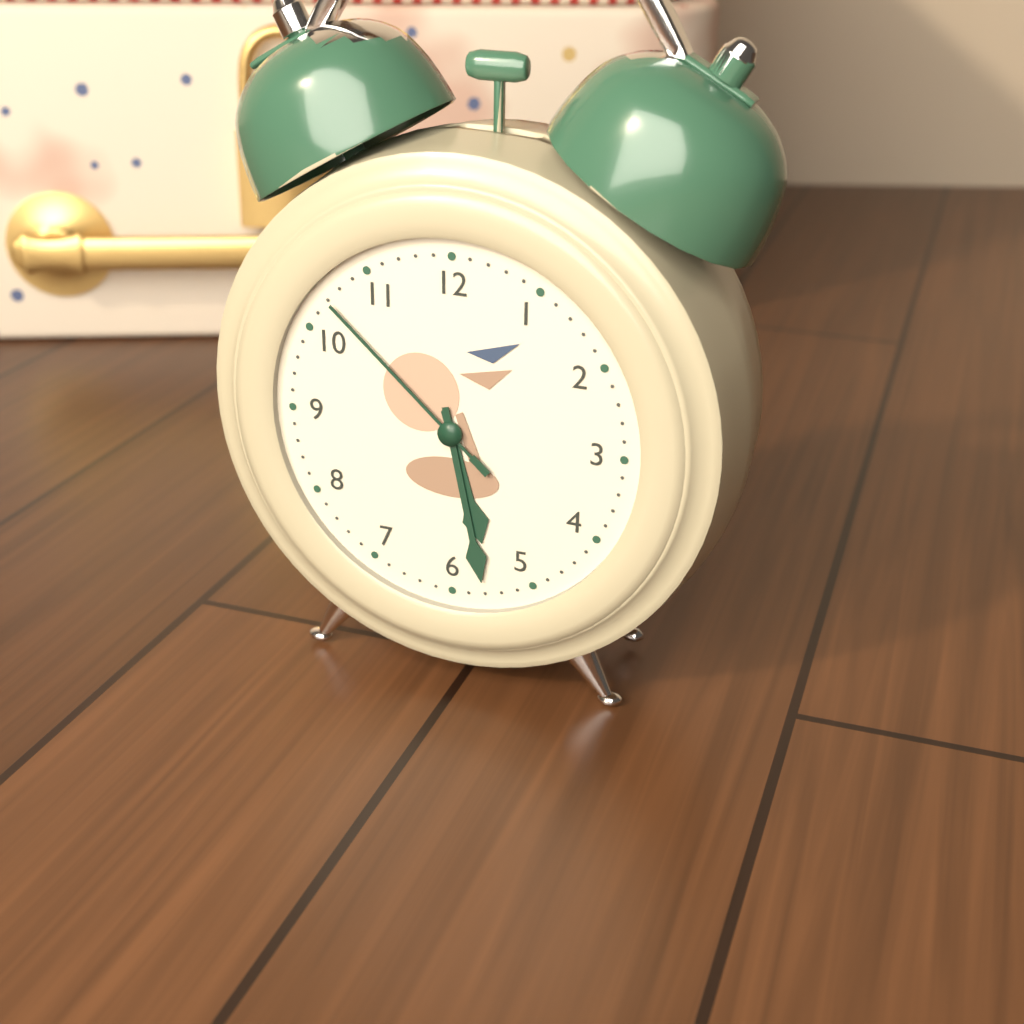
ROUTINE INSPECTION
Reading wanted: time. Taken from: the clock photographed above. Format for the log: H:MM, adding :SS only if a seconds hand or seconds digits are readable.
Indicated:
5:28:52
